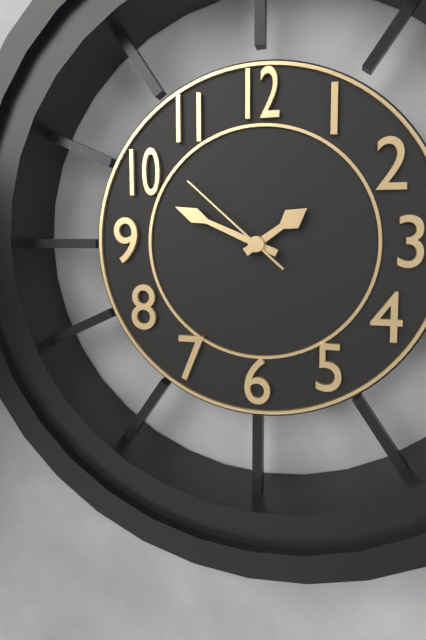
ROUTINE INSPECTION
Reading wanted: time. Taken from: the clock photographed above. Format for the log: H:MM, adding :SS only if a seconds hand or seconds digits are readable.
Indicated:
1:49:52
